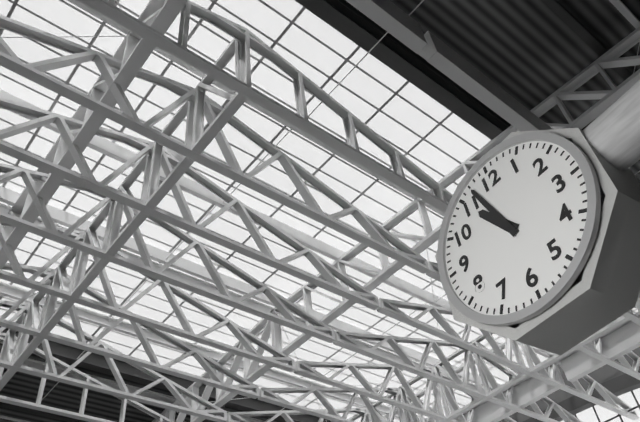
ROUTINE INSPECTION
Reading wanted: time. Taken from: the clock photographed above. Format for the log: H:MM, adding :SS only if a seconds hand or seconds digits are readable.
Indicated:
10:57
